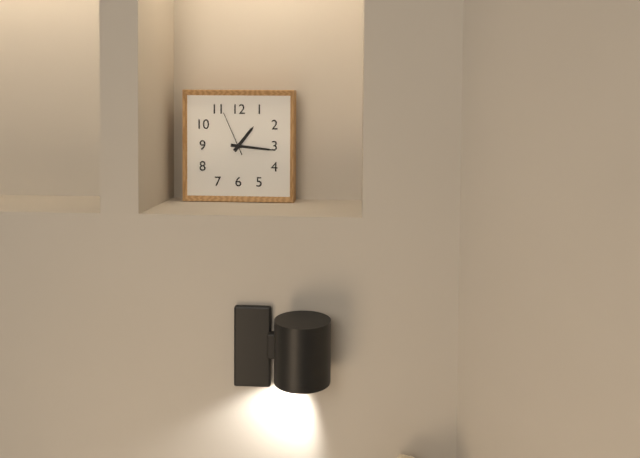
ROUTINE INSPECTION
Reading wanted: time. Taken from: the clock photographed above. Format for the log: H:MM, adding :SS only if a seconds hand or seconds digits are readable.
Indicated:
1:16
